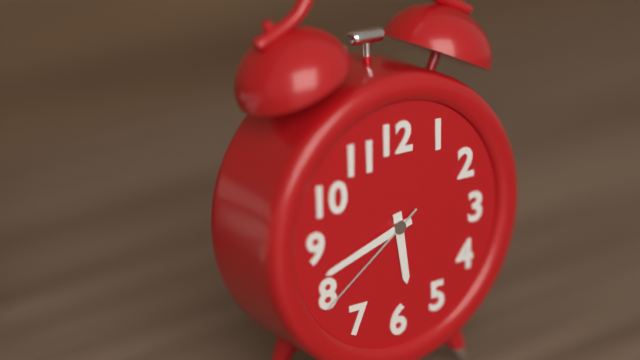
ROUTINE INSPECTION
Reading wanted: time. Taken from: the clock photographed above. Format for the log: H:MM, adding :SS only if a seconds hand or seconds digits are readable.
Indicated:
5:42:39
